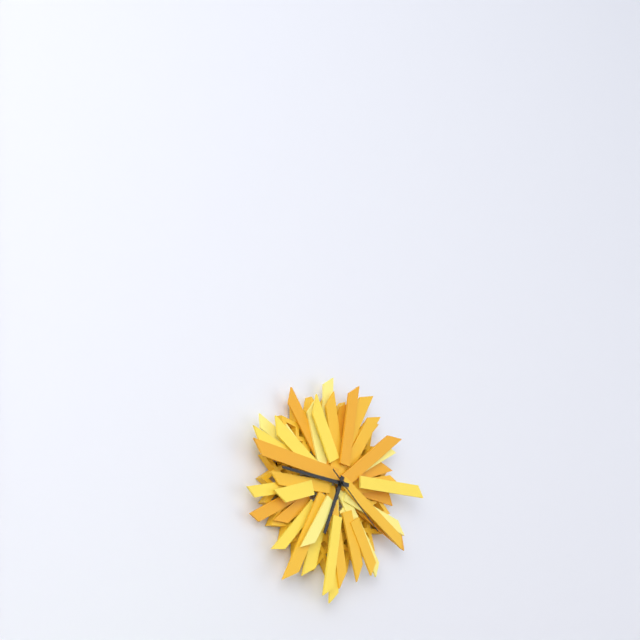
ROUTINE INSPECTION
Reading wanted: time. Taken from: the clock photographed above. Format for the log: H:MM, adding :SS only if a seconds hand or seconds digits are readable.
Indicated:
6:46:22
